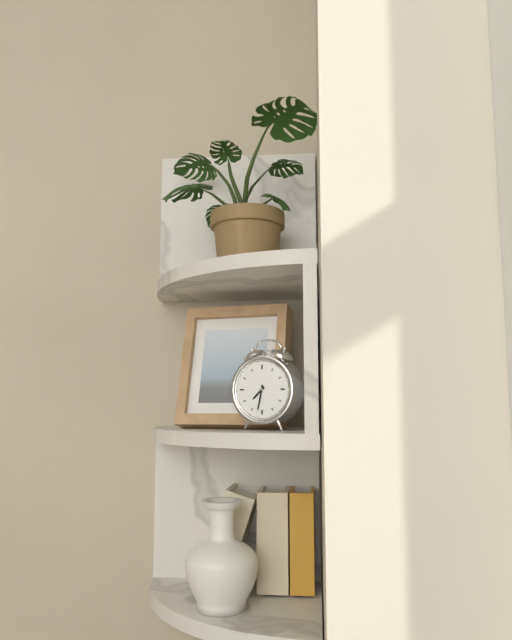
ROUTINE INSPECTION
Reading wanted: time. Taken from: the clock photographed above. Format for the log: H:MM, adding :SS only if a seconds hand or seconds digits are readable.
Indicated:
7:32
